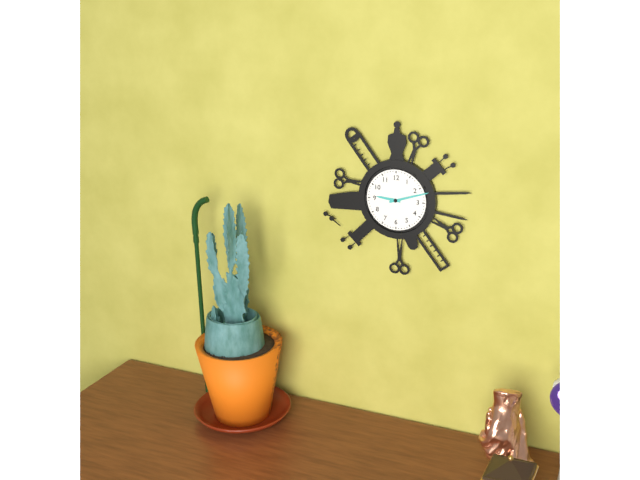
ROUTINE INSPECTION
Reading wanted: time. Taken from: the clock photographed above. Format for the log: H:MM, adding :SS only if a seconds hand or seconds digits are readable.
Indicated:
9:12
